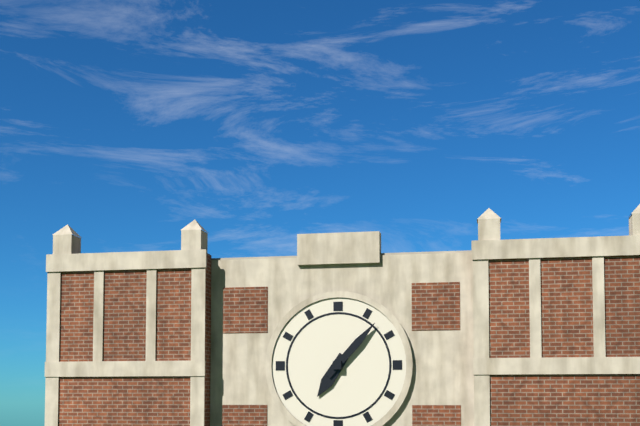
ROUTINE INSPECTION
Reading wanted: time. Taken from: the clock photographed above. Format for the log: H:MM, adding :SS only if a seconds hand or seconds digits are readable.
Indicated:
7:07
